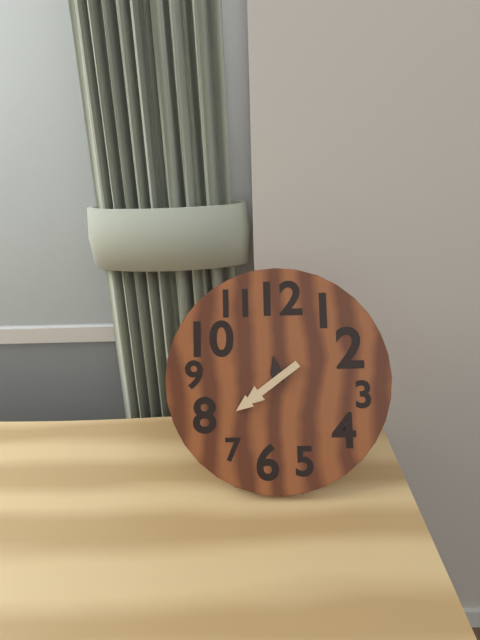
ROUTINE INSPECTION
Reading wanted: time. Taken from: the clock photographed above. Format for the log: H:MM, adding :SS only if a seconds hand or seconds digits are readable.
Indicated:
11:39
